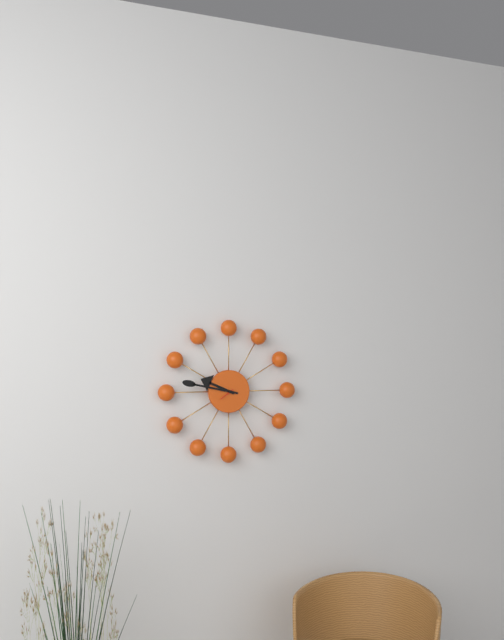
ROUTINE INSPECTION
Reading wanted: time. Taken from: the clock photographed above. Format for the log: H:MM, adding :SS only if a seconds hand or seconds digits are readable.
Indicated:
9:47
